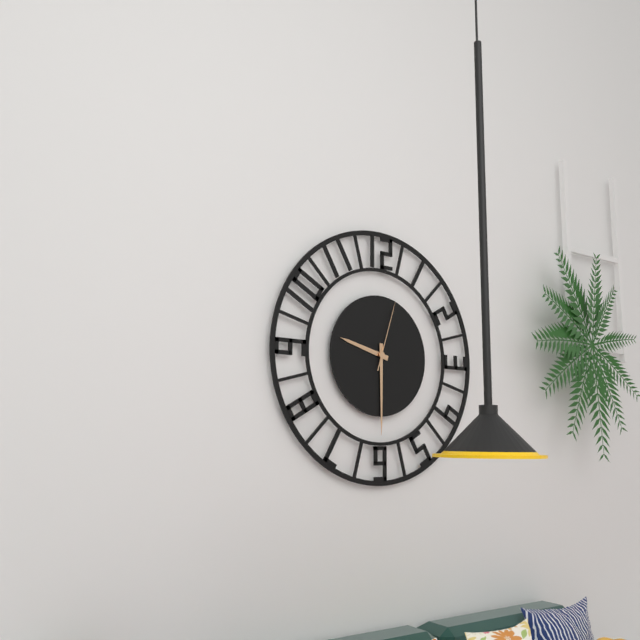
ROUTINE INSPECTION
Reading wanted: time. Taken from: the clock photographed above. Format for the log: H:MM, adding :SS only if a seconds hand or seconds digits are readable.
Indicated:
9:30:03
